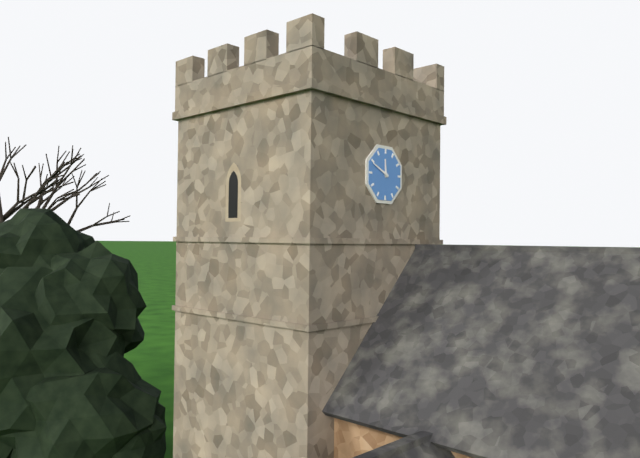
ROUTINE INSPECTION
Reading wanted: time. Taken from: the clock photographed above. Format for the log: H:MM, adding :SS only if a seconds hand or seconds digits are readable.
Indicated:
11:49
